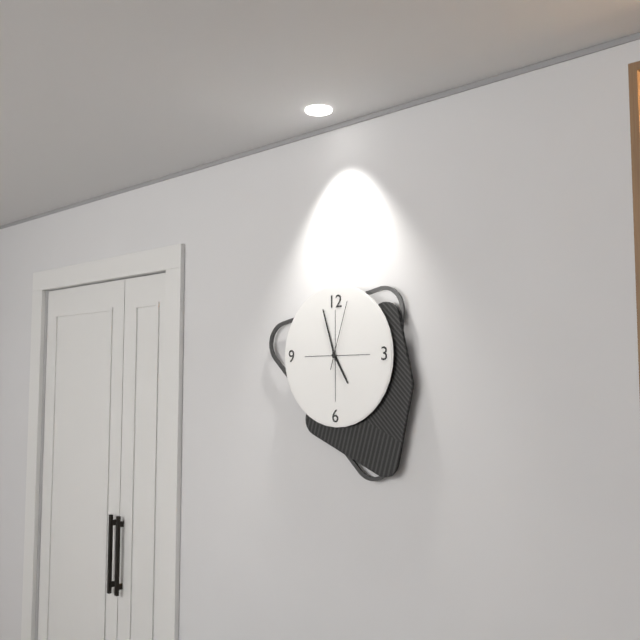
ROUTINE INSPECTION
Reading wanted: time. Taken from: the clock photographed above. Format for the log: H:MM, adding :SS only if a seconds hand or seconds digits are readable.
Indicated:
4:57:03
